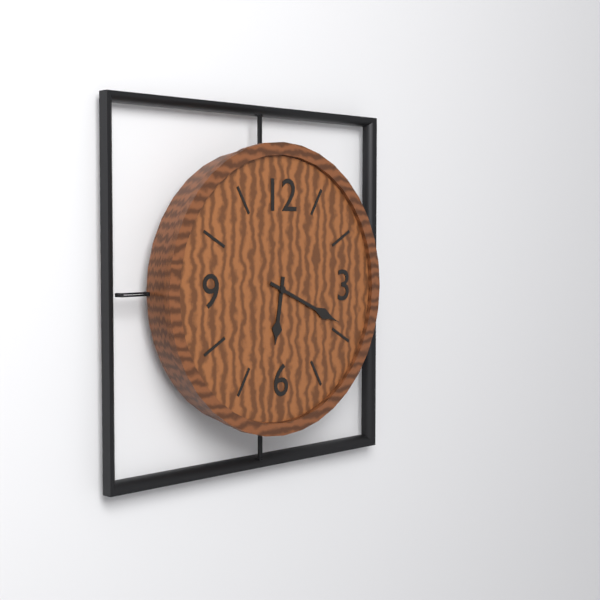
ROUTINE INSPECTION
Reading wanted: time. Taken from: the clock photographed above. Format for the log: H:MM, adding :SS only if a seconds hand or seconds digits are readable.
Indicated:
6:19
